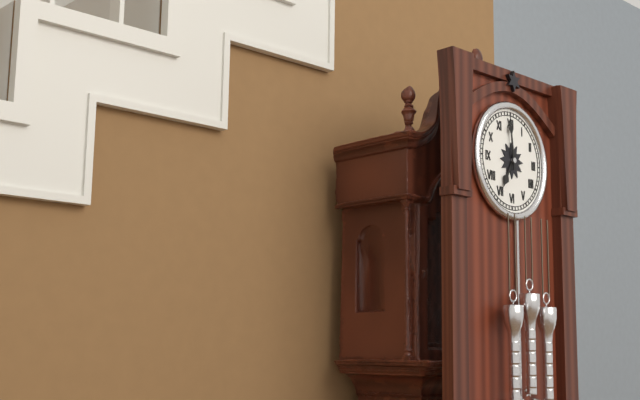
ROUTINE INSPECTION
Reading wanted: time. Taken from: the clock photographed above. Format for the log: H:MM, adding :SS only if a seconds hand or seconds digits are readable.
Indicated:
6:59
